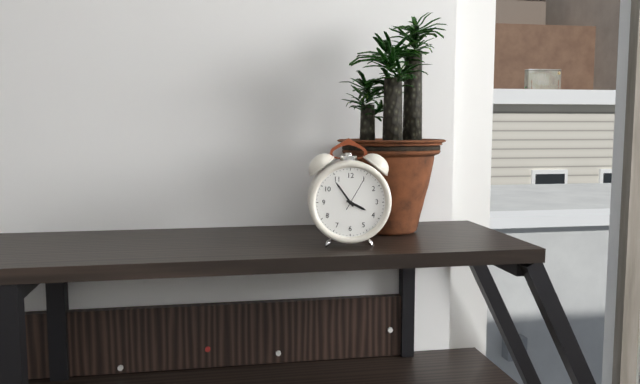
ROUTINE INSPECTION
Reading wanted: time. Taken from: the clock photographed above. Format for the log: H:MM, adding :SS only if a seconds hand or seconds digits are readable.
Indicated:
3:54
